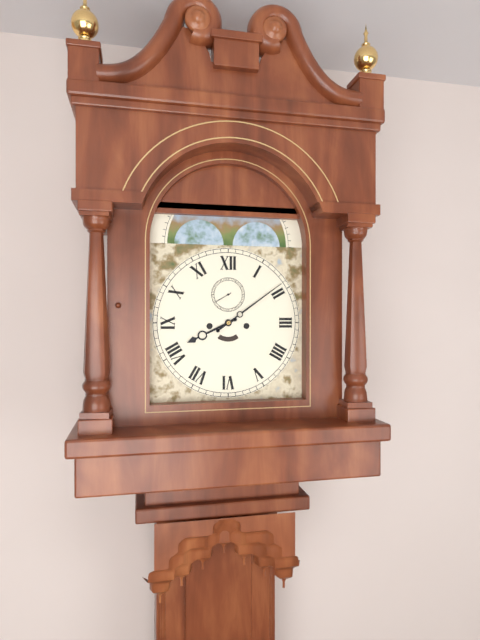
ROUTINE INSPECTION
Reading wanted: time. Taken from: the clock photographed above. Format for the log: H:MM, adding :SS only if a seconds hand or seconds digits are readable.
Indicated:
8:09
